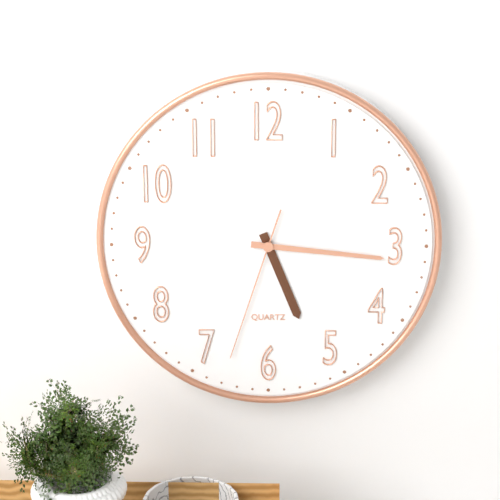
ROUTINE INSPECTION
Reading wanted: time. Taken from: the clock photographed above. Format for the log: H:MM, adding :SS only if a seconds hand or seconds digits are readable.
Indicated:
5:16:33
